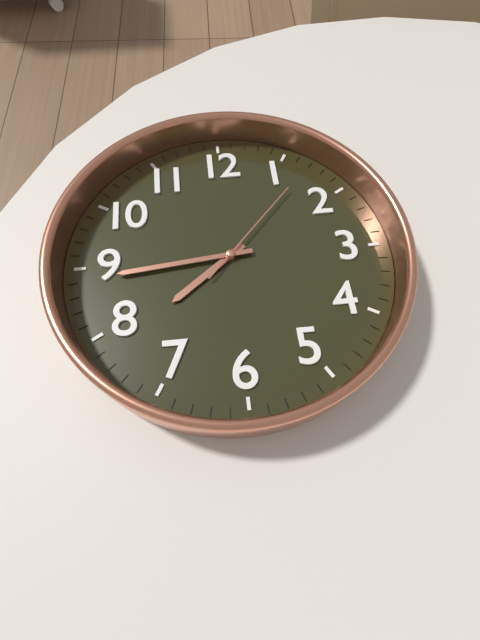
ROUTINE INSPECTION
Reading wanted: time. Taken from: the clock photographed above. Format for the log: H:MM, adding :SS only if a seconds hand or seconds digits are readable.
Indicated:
7:44:07
